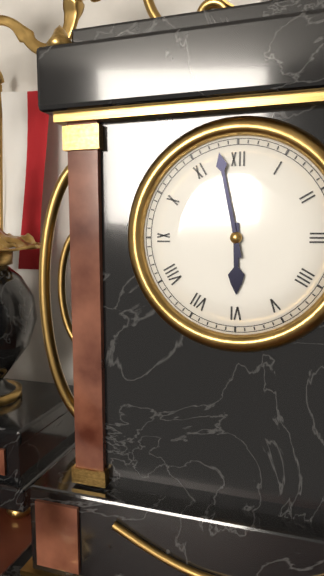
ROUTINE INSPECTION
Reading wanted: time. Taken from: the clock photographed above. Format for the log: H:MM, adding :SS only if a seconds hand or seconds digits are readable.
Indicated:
5:58
